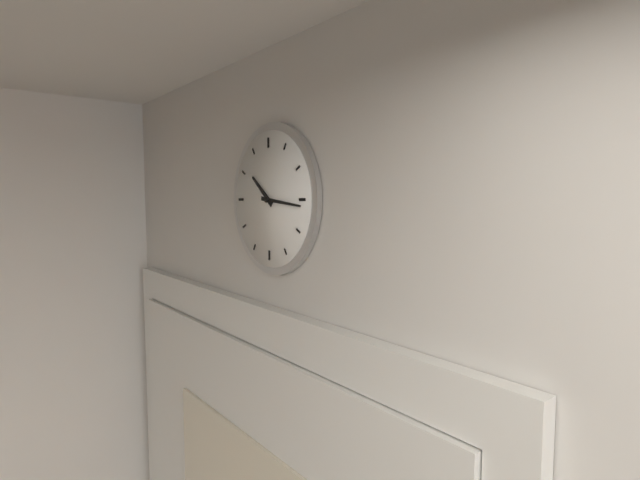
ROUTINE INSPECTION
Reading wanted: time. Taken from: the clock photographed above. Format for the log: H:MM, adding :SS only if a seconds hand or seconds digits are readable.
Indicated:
10:16
